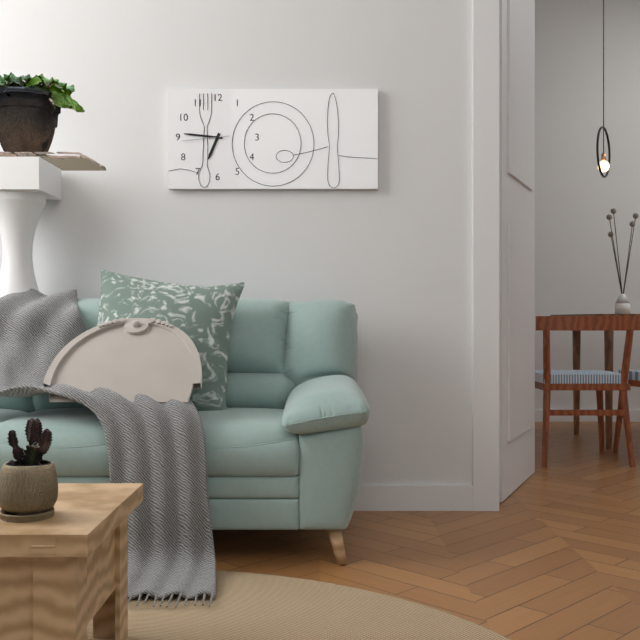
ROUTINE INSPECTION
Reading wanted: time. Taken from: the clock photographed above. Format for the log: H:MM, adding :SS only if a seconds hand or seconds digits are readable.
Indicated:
6:46
